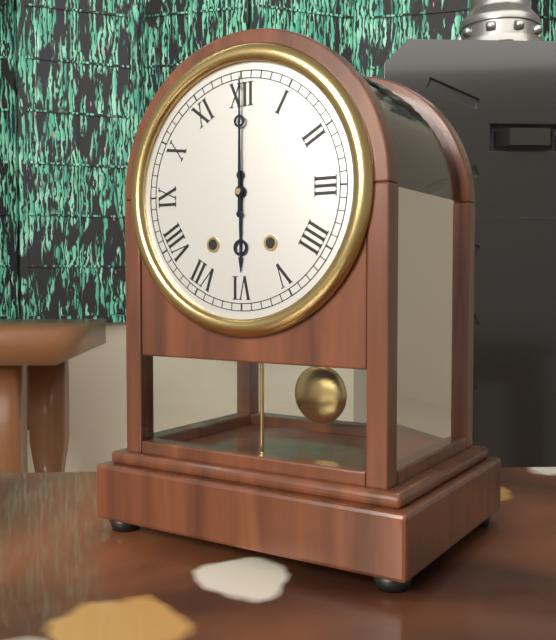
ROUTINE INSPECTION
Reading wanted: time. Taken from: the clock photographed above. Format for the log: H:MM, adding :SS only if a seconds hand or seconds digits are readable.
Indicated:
6:00
